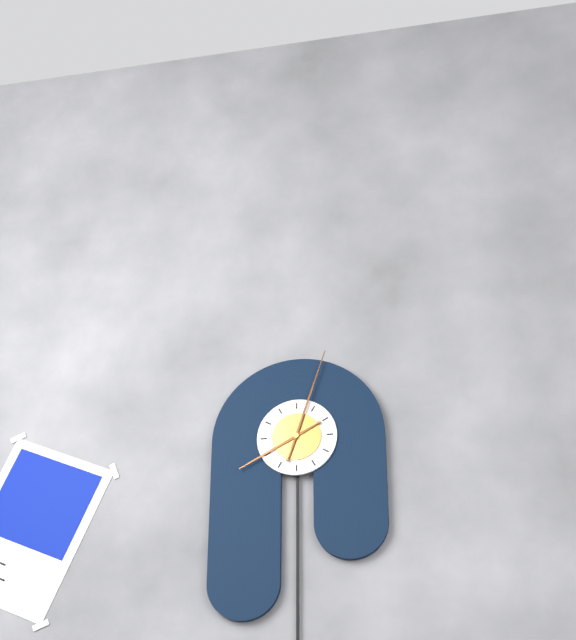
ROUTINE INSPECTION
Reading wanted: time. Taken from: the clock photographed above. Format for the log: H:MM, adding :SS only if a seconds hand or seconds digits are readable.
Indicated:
8:03
